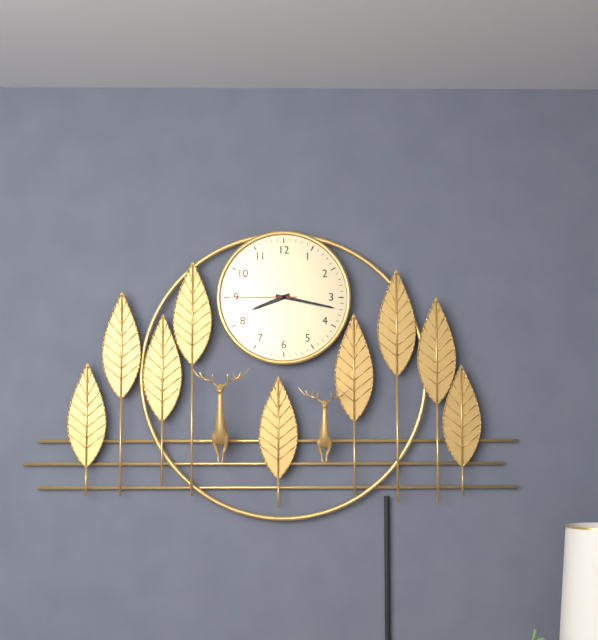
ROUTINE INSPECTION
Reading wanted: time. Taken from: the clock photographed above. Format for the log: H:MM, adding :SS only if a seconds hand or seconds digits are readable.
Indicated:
8:17:45
